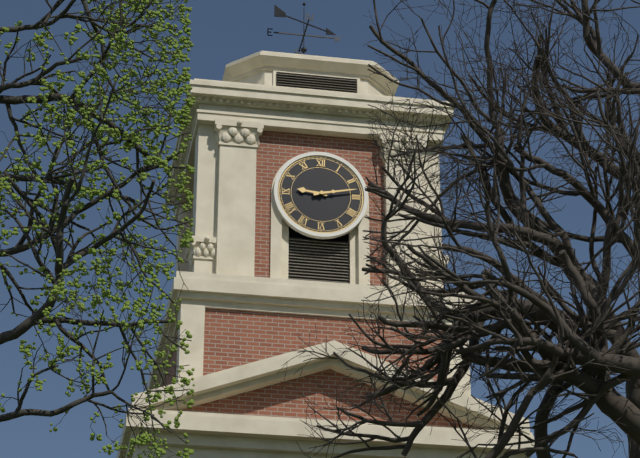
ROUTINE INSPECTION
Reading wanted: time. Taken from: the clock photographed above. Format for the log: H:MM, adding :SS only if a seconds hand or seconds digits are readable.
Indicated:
9:13
